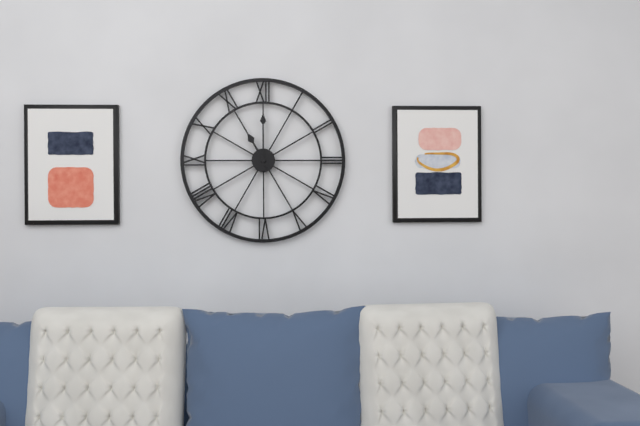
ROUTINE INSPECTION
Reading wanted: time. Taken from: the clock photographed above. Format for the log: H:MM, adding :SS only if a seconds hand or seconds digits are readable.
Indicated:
11:00
